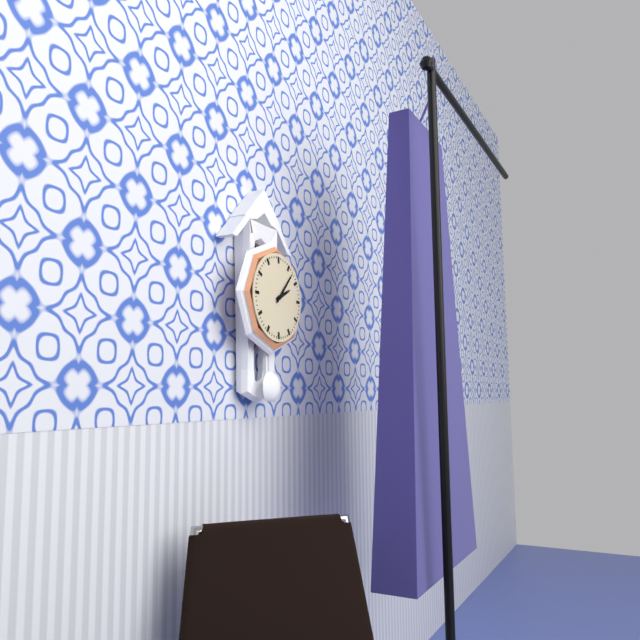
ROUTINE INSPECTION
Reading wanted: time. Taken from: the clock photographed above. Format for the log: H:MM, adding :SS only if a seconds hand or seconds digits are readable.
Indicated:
2:07
